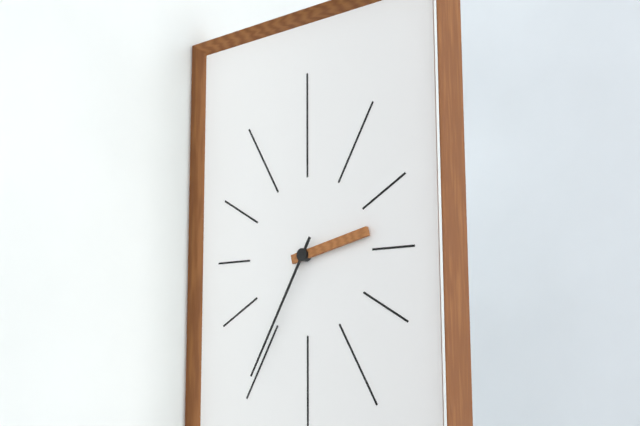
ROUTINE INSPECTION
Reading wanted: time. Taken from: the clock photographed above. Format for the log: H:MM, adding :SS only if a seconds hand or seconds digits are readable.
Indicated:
2:35
